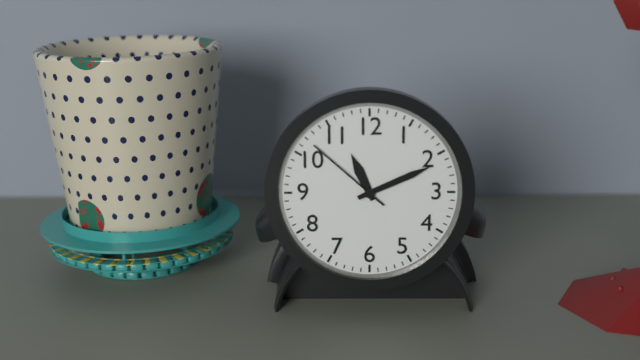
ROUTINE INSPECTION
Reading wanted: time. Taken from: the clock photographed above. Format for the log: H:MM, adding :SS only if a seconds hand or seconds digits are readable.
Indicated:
11:11:52
